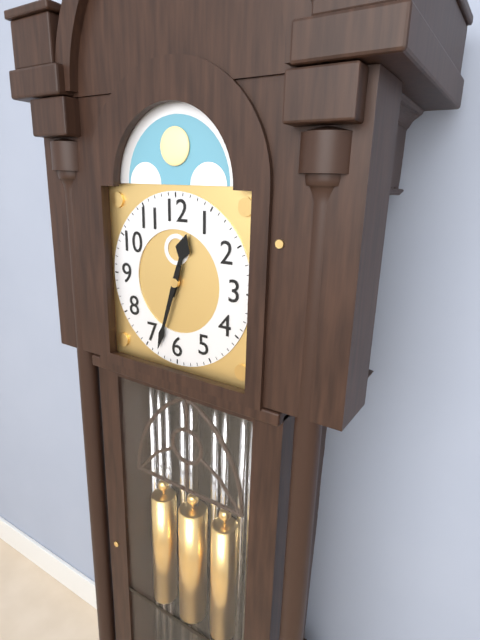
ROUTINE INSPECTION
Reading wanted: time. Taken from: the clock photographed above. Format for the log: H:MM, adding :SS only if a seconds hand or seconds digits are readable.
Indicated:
12:33
